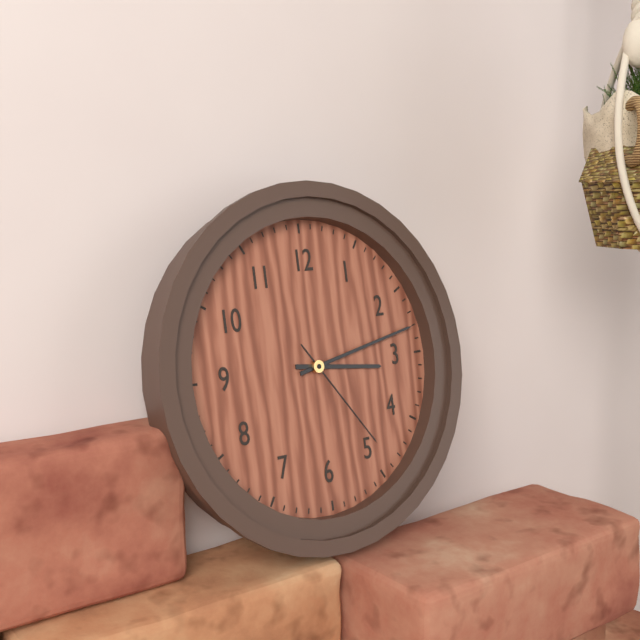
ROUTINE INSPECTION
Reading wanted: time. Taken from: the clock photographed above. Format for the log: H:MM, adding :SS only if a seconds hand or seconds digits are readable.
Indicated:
3:13:24
